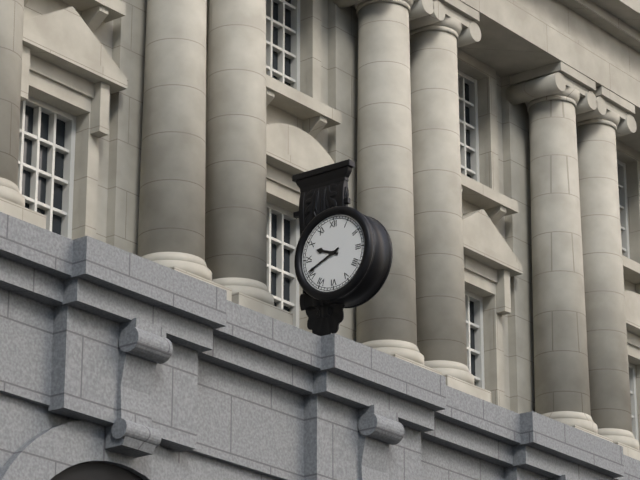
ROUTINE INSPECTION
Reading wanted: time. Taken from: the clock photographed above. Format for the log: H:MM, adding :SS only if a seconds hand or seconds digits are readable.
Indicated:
9:41
